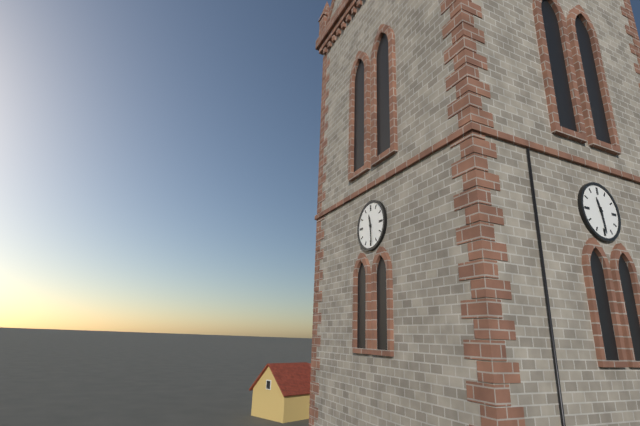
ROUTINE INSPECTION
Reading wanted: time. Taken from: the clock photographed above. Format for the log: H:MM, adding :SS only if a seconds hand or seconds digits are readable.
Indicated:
11:29
